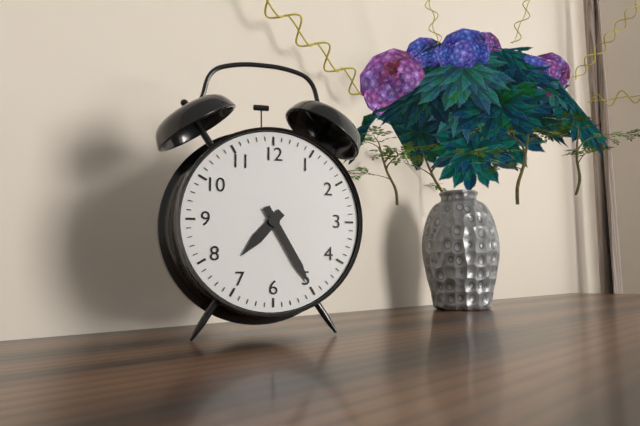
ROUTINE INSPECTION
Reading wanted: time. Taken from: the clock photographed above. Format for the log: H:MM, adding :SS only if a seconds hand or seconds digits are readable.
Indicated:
7:25
